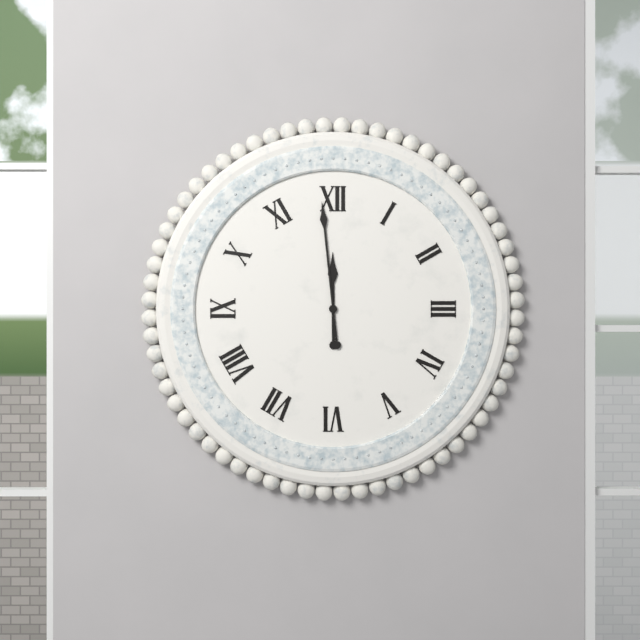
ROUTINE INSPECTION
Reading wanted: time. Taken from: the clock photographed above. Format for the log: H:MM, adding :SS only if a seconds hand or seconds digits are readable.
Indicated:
11:59
